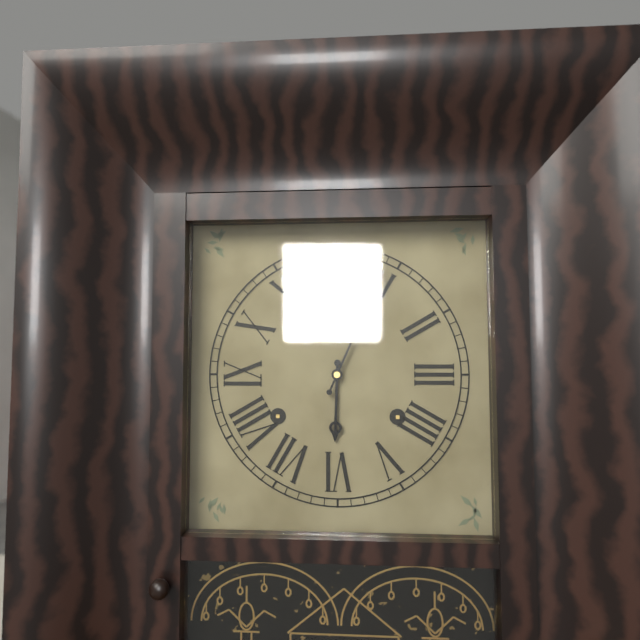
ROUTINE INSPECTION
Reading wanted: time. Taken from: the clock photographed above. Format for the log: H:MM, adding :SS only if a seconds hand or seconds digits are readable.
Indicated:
6:04
